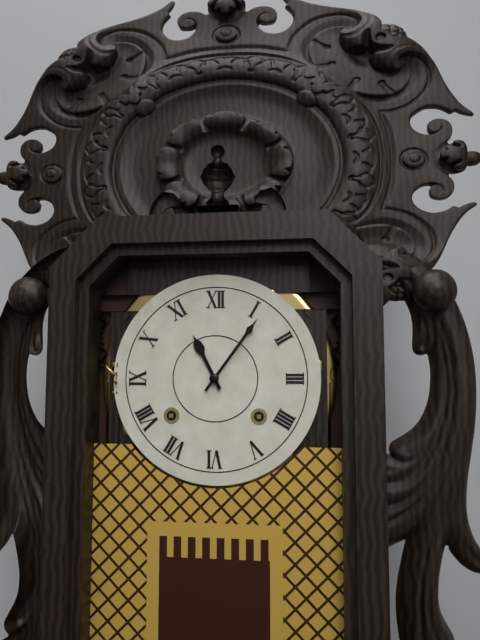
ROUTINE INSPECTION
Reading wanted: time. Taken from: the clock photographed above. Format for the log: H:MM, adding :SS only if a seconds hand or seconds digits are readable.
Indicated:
11:06
